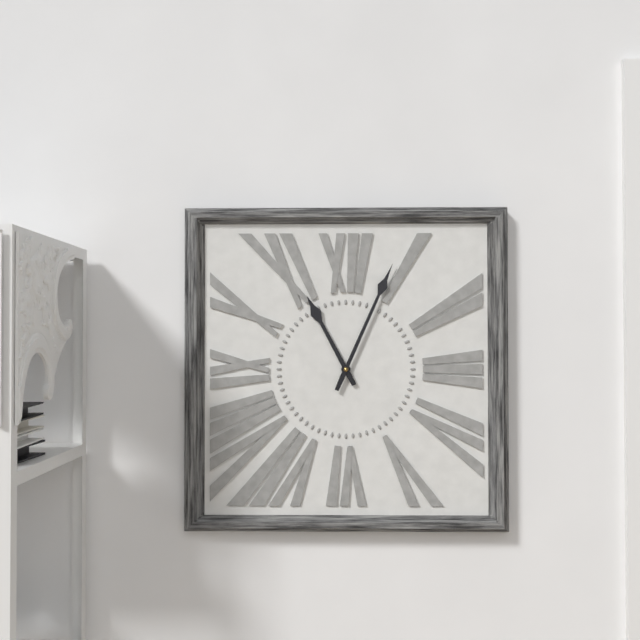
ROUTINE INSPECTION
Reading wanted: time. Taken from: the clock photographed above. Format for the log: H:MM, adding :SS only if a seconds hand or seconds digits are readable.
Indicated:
11:04
